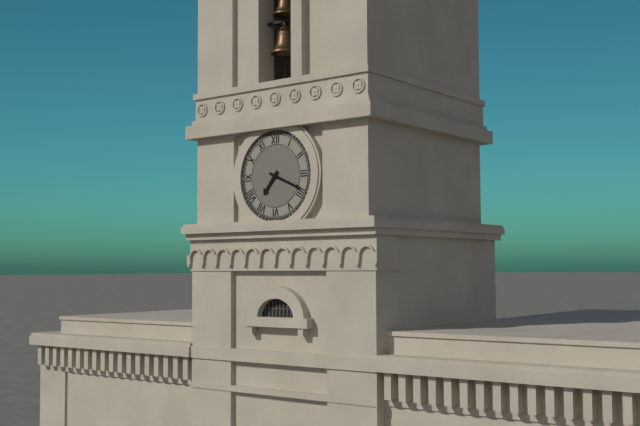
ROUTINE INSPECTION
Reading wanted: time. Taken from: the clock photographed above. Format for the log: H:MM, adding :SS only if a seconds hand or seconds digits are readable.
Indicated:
7:19
